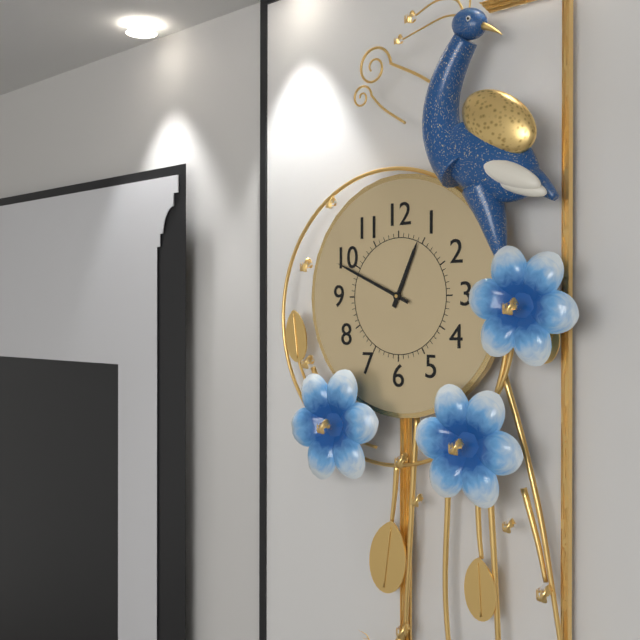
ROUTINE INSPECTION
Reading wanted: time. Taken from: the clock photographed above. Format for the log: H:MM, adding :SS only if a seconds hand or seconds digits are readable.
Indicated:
12:49
